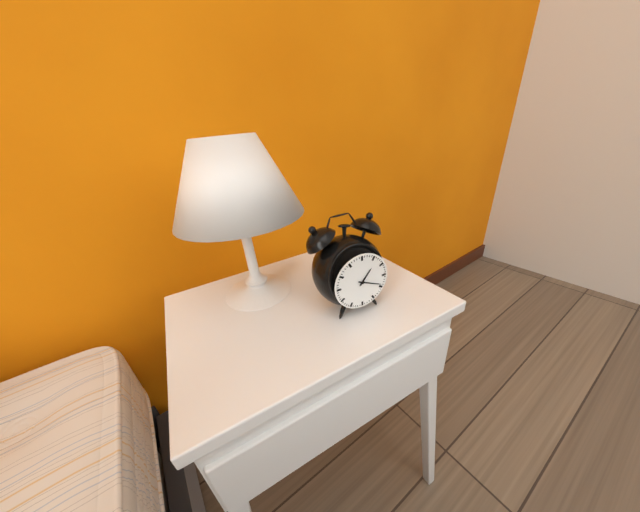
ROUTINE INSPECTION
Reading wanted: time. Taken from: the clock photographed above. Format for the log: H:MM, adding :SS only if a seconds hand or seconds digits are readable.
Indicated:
1:19
